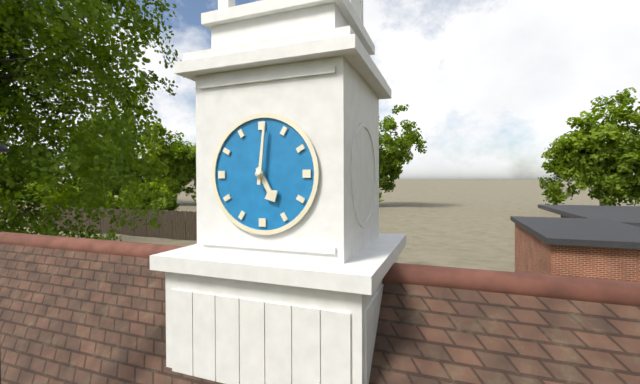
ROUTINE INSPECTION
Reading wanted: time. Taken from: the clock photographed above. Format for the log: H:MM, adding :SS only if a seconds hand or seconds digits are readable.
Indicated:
5:01
